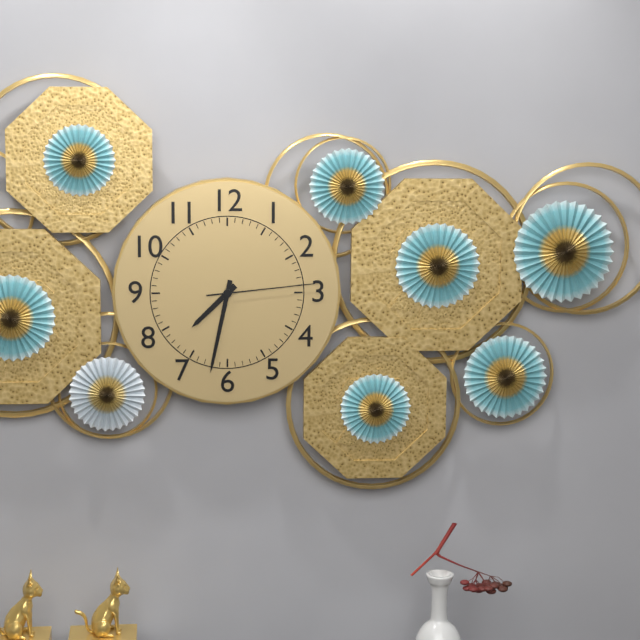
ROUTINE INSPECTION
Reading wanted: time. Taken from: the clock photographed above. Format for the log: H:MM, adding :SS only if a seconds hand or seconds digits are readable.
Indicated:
7:32:14
